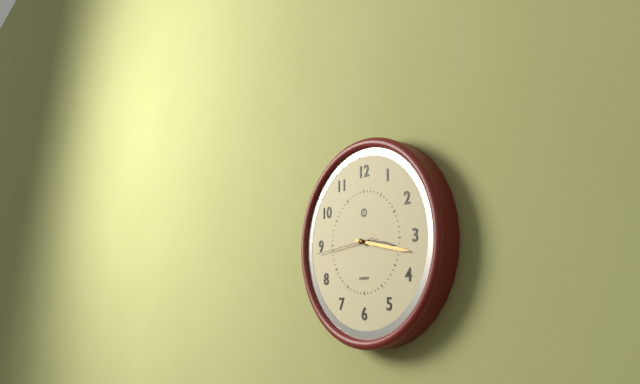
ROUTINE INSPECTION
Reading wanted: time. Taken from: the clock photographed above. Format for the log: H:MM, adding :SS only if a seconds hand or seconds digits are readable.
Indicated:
3:17:44
